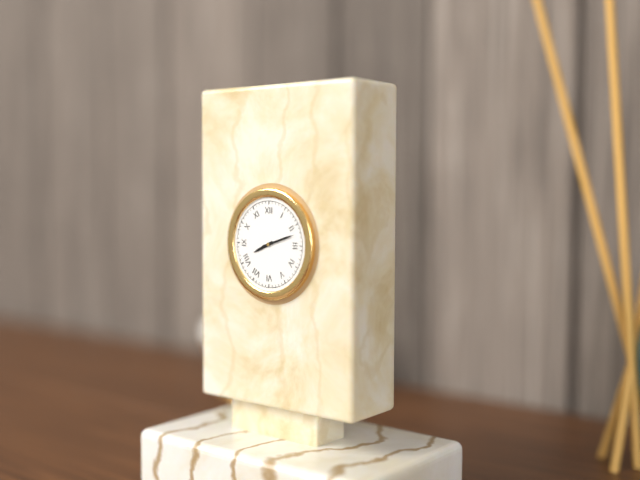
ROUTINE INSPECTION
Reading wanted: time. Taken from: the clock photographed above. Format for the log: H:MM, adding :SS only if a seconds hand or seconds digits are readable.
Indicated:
8:12
